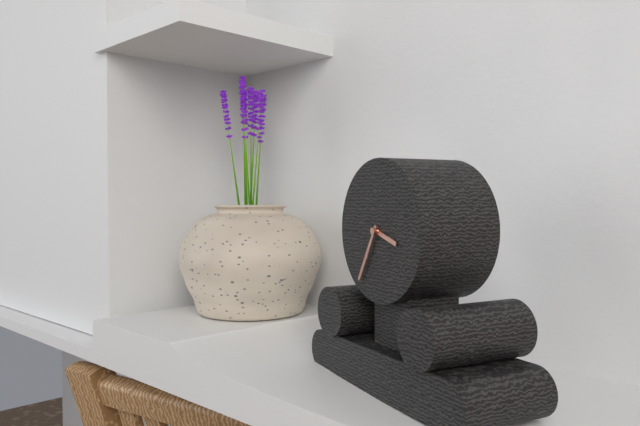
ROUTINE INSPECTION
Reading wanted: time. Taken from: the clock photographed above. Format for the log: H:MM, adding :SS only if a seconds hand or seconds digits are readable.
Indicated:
3:35
